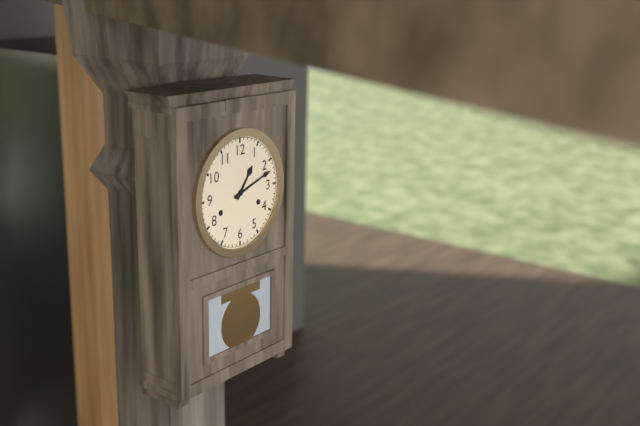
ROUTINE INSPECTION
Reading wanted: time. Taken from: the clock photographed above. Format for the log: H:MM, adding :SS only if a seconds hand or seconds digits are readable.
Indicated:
1:12
